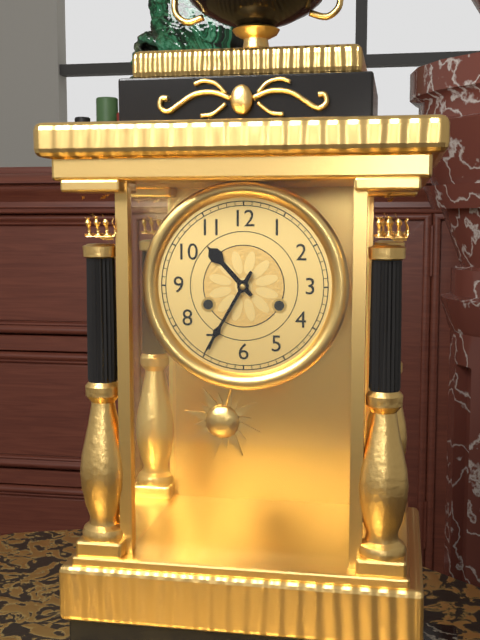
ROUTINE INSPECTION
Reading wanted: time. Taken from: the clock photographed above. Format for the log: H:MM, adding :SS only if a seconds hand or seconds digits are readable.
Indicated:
10:35
